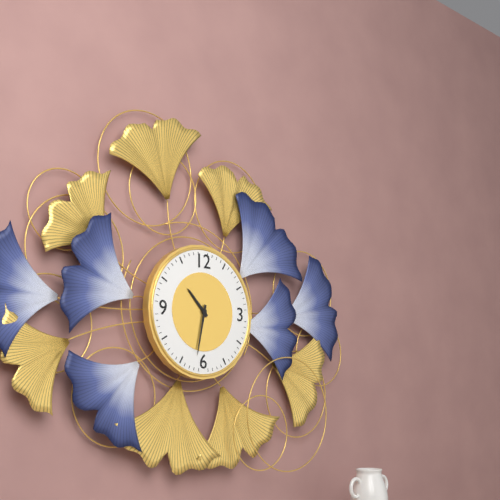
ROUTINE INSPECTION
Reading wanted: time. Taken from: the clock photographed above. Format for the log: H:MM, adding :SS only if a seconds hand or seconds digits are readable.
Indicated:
10:32
